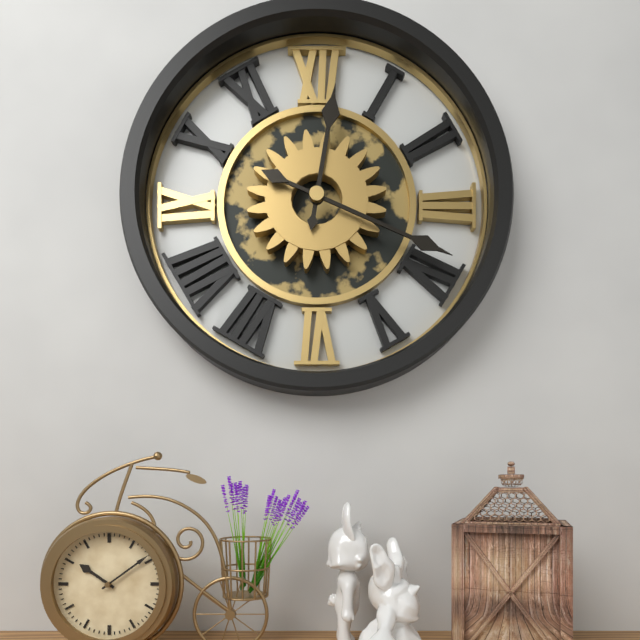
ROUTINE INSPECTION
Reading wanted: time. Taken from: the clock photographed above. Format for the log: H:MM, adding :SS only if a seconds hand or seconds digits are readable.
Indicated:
12:19
